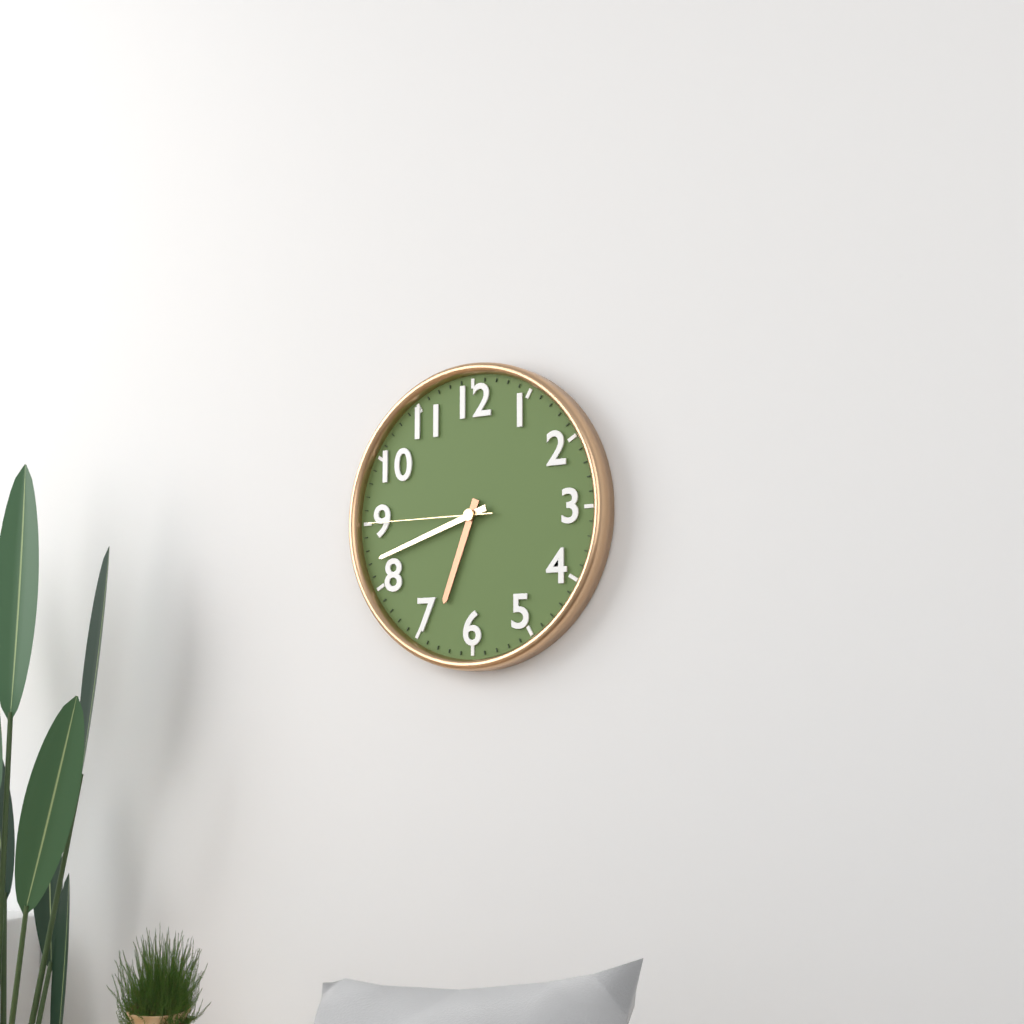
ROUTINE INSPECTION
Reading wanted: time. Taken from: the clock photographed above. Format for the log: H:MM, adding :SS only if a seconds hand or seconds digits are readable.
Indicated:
6:42:45
